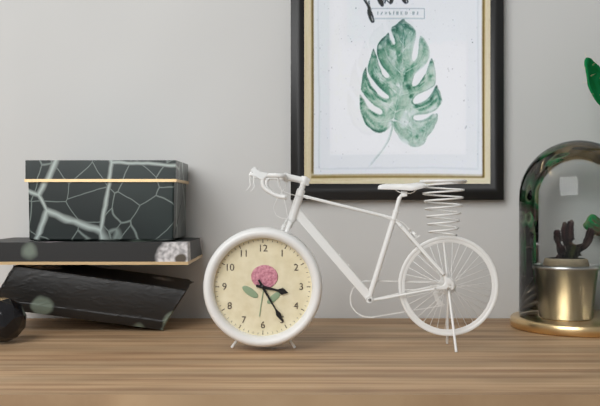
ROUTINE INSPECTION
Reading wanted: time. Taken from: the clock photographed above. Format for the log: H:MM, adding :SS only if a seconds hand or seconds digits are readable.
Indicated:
3:25
